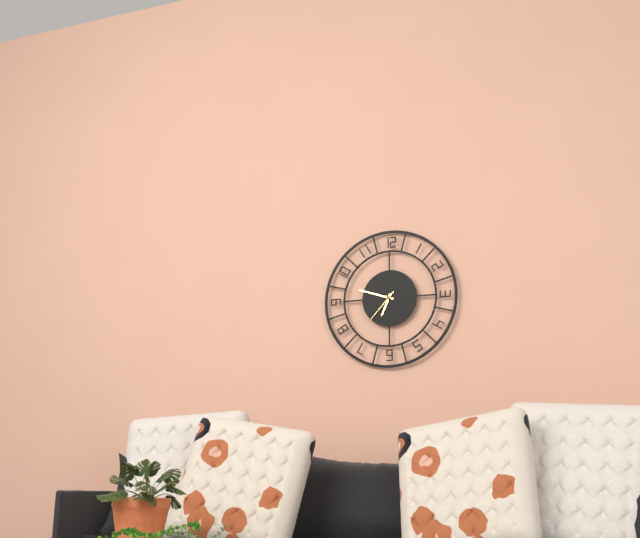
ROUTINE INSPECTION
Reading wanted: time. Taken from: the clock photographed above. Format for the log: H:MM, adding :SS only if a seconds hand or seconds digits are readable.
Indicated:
6:48
